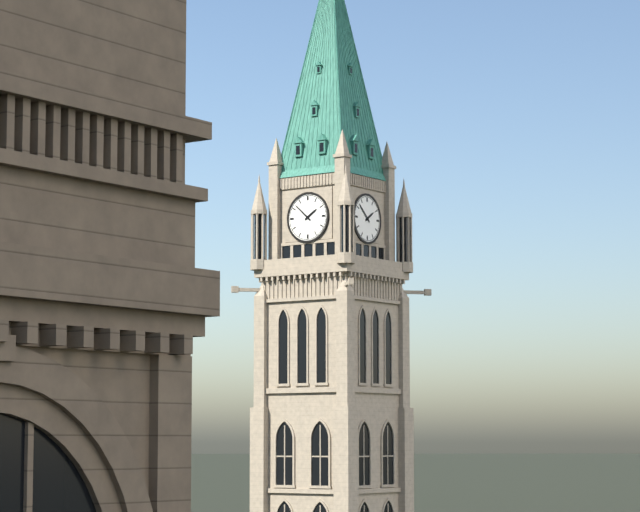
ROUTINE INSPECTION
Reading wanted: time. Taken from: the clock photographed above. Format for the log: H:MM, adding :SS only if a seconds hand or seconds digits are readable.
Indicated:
1:52
